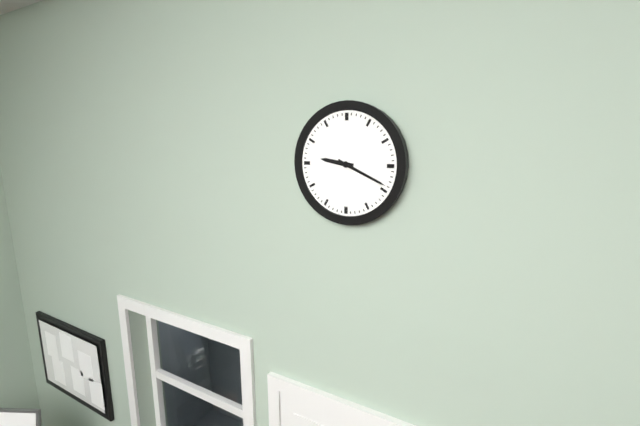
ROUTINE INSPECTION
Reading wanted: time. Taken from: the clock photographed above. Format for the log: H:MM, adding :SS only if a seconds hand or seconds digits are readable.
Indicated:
9:19
